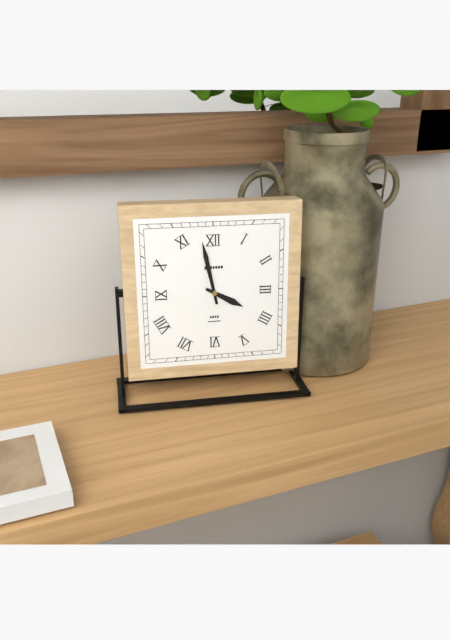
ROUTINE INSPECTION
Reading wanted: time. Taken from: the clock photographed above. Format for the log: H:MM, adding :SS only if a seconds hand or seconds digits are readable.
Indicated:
3:58
